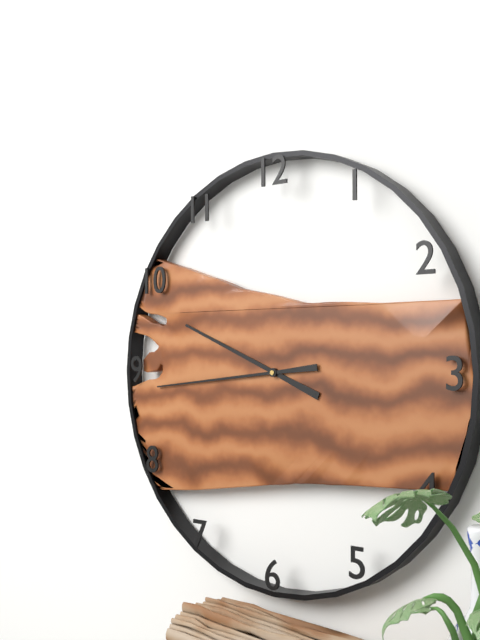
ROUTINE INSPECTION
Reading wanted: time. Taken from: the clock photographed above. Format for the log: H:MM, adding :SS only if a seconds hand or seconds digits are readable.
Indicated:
9:44
